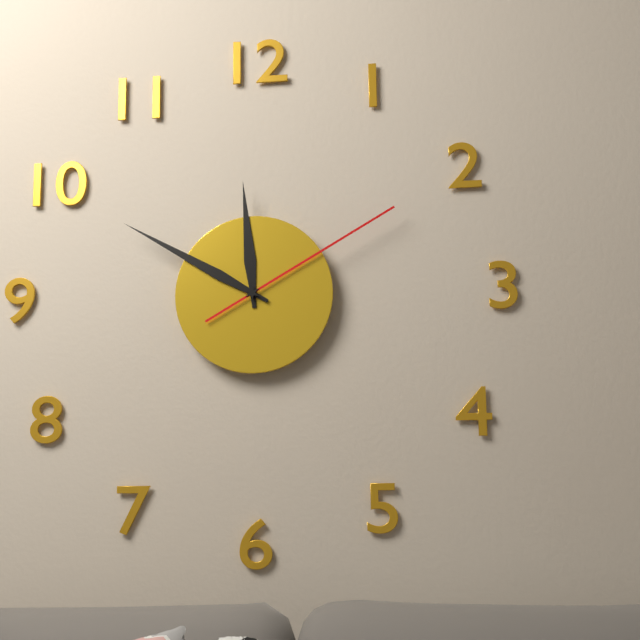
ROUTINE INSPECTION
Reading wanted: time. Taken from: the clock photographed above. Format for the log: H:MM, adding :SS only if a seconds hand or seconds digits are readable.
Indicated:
11:50:10
